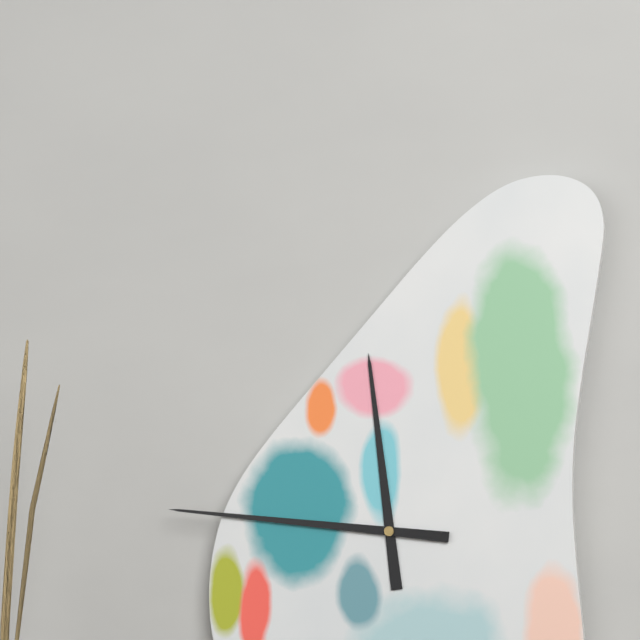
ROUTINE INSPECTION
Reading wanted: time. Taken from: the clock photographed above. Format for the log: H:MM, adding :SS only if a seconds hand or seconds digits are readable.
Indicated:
11:46
